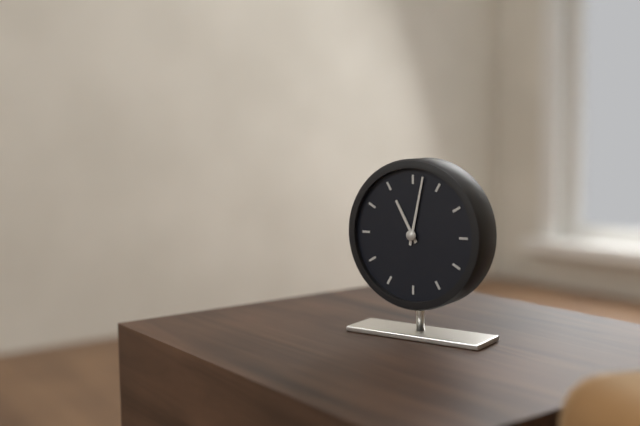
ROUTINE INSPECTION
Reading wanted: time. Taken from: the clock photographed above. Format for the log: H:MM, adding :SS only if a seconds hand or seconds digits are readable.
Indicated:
11:02
